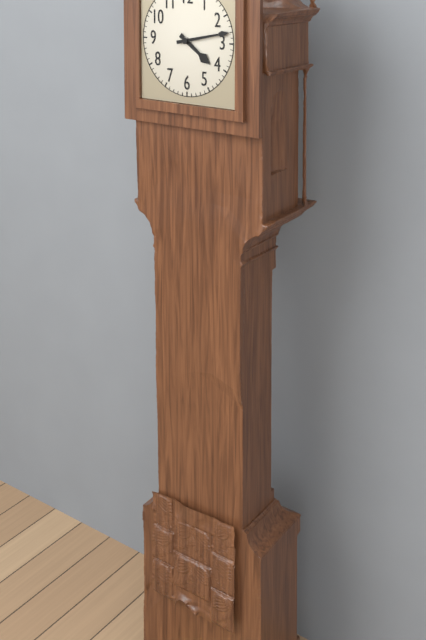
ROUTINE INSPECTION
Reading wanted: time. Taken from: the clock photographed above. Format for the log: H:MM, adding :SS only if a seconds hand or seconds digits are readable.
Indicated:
4:13
